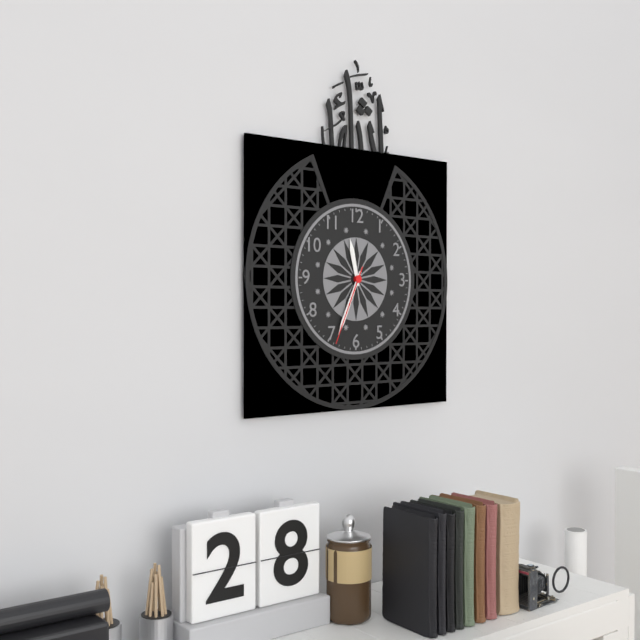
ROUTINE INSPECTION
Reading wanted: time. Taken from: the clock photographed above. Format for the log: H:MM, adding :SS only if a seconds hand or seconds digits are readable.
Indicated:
11:34:34
